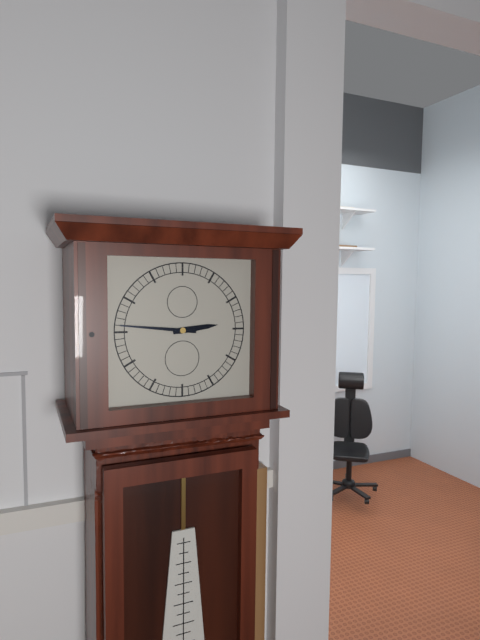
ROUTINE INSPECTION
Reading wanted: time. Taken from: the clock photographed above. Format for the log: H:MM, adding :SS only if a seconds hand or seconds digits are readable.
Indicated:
2:46
